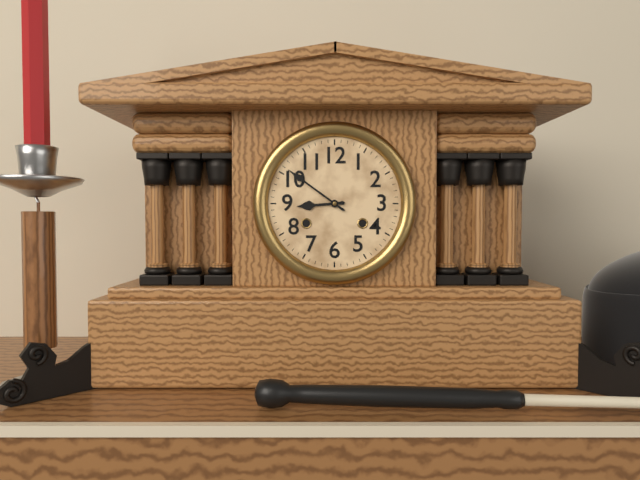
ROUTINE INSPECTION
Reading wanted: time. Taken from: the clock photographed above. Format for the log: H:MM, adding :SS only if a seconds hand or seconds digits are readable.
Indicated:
8:51
